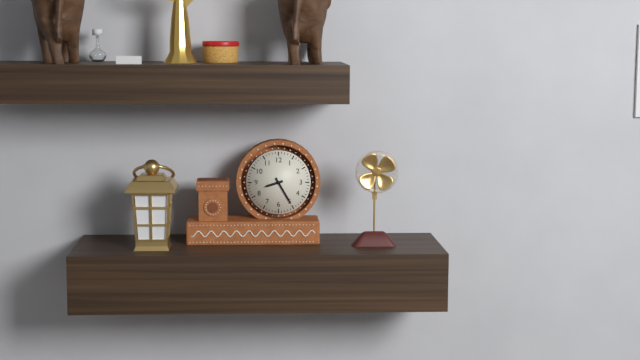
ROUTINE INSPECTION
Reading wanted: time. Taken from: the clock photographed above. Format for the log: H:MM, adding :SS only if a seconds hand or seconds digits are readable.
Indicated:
8:25
